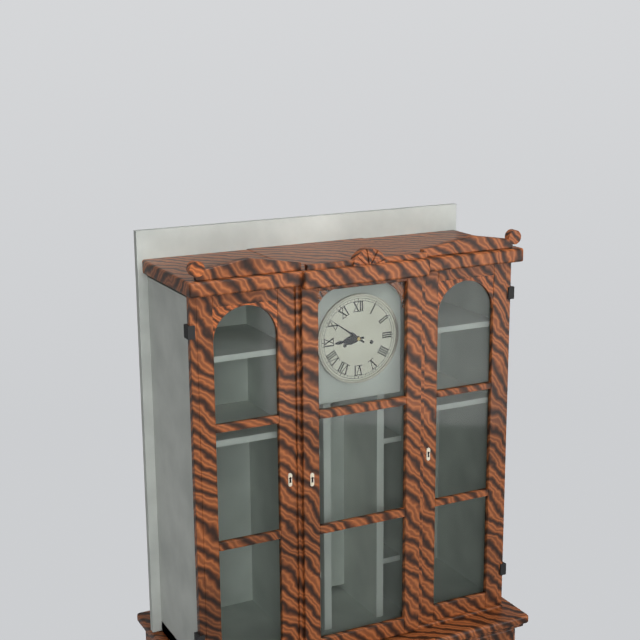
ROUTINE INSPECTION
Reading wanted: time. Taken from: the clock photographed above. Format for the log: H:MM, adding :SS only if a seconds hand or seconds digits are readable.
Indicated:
8:51
